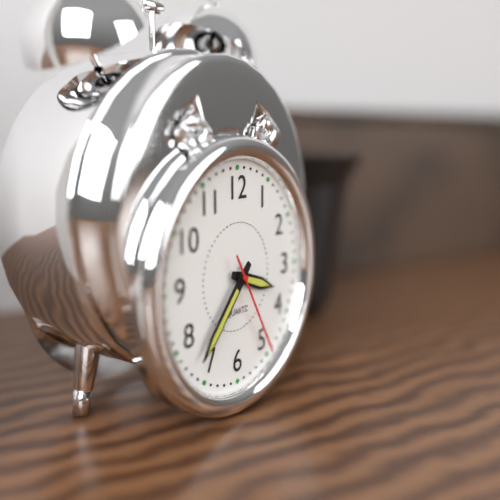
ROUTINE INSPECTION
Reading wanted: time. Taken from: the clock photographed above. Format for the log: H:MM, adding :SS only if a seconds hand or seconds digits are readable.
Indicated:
3:37:25
